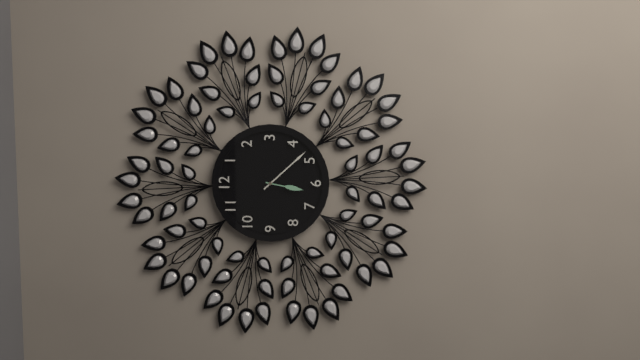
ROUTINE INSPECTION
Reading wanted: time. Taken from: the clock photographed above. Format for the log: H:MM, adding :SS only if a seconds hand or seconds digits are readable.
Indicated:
6:23
